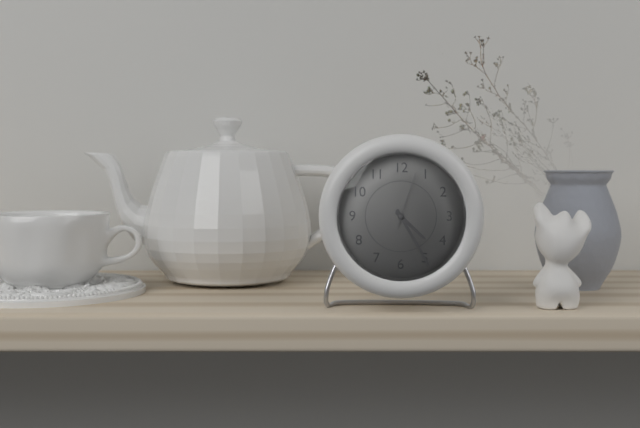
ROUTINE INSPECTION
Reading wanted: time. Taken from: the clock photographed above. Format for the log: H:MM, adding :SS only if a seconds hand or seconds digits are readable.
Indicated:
4:25:03
